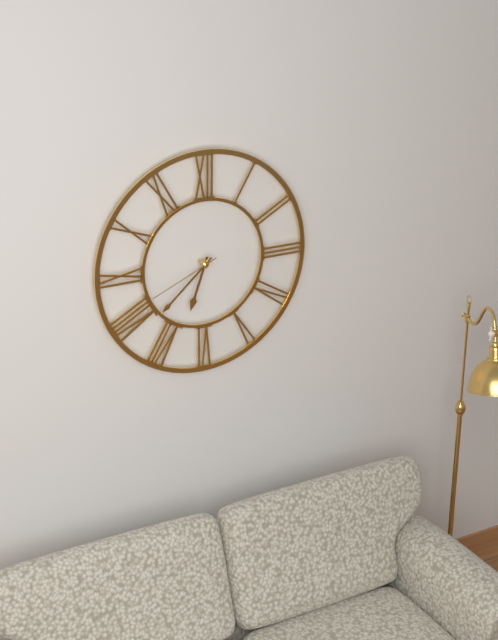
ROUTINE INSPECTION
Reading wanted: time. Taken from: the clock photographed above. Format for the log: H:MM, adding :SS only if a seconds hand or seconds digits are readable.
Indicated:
6:38:41
